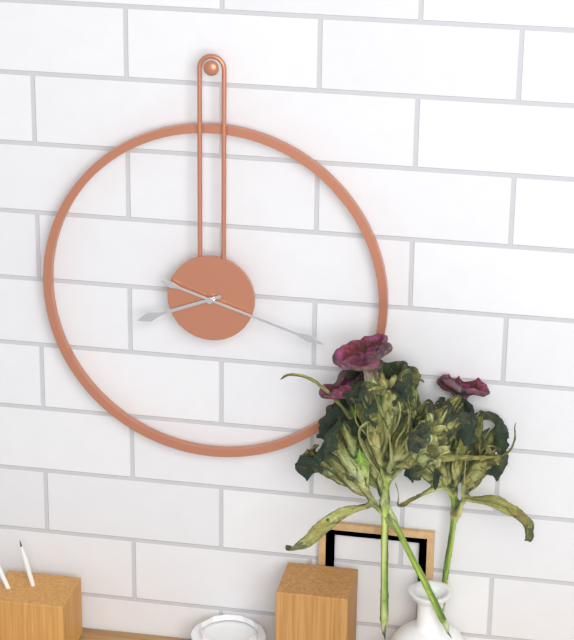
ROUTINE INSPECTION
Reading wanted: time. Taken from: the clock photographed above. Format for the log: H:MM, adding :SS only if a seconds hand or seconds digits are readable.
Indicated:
8:18
